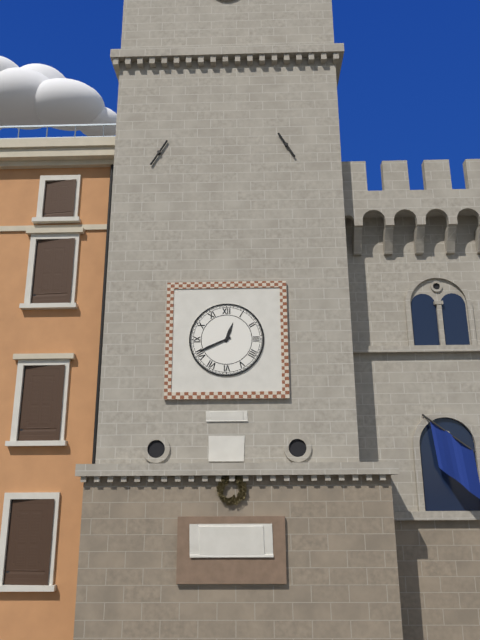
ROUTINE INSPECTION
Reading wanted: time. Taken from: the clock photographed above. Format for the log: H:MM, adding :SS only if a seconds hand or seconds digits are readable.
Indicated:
12:41
